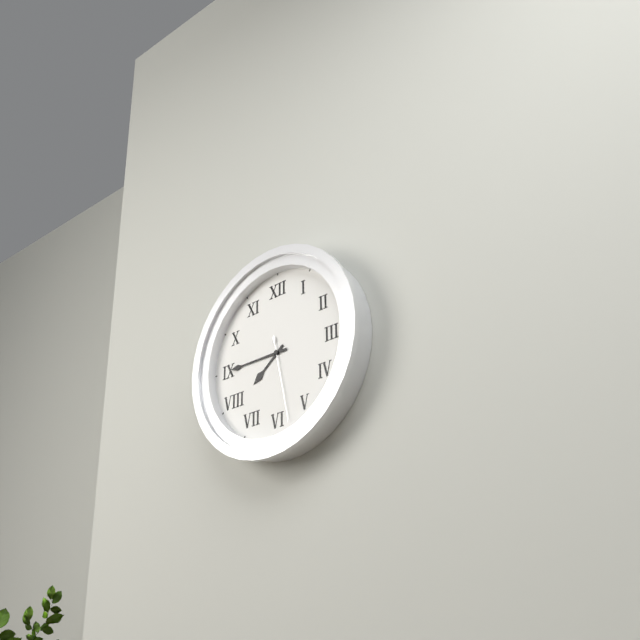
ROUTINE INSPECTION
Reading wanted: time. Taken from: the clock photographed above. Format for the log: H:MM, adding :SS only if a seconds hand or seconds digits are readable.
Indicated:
7:45:28
